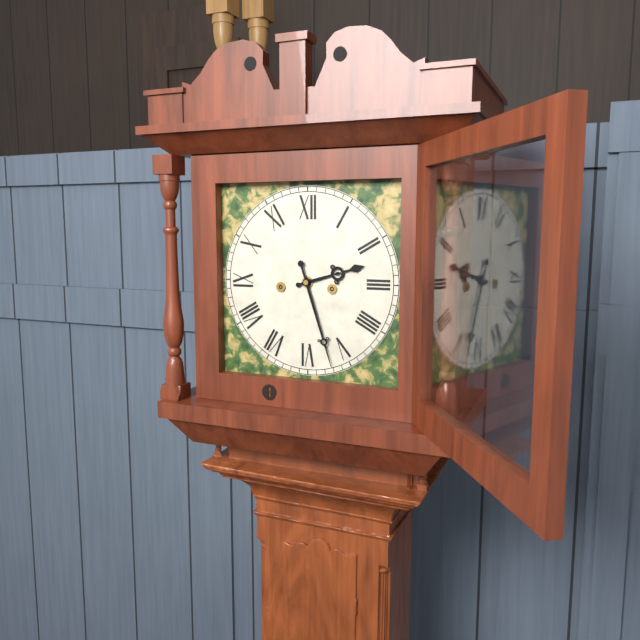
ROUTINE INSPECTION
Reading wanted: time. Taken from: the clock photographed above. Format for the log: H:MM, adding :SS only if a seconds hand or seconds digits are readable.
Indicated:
2:27
